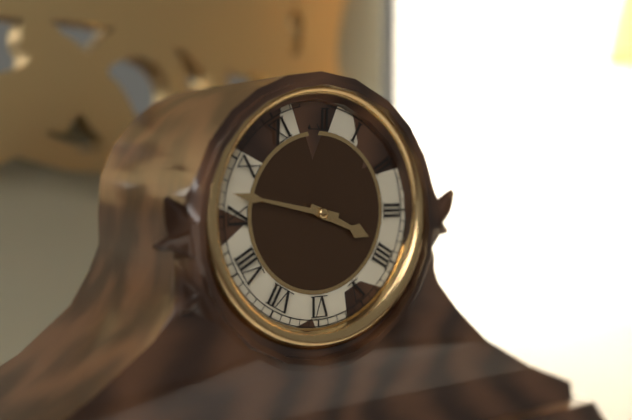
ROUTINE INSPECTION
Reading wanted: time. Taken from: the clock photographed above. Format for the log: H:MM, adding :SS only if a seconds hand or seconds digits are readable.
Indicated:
3:47
